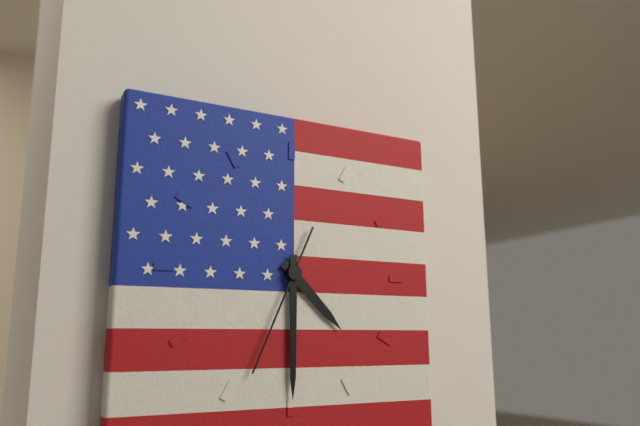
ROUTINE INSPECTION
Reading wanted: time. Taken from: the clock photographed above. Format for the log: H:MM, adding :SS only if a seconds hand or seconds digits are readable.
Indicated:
4:30:34
